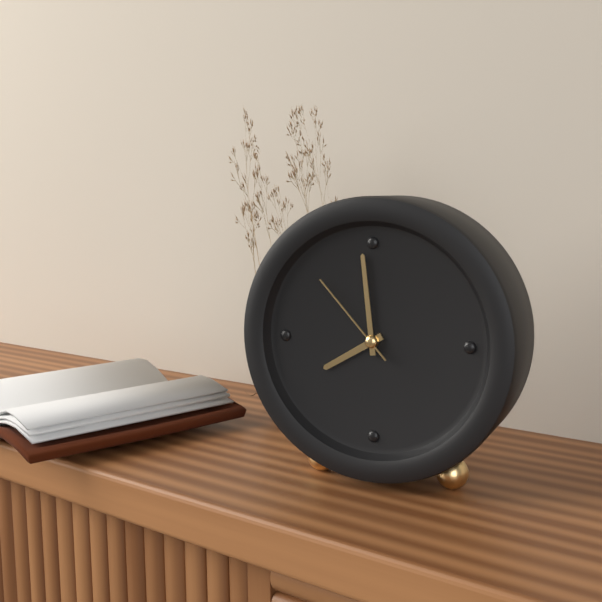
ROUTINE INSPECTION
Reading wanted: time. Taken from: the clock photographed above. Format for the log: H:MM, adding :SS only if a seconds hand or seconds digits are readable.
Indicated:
7:59:53
